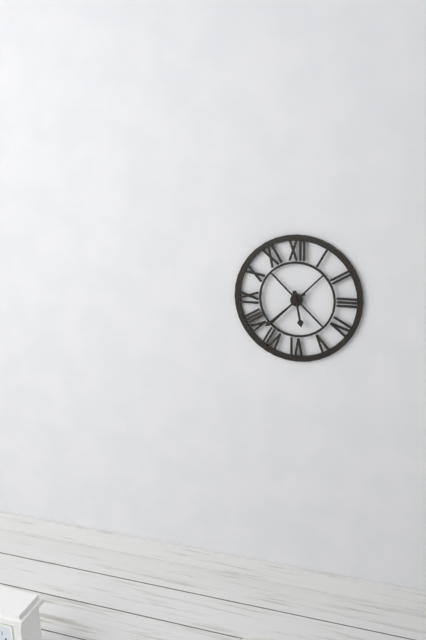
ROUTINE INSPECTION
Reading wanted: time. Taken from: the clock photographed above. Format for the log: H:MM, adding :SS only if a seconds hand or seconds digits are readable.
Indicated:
5:38
